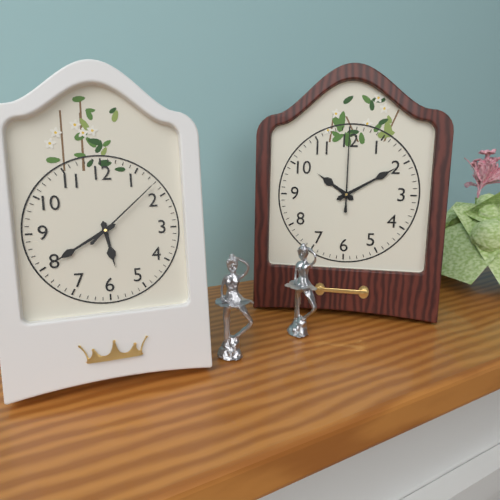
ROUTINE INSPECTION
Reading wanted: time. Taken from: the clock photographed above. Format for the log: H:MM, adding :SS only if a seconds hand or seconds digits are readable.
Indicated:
5:40:08
